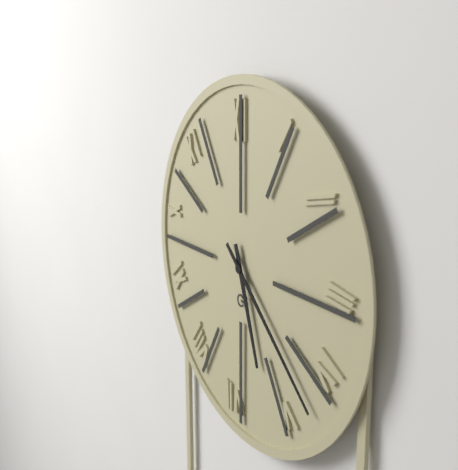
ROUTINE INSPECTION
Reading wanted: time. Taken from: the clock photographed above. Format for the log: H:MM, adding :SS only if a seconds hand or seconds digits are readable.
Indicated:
5:22
